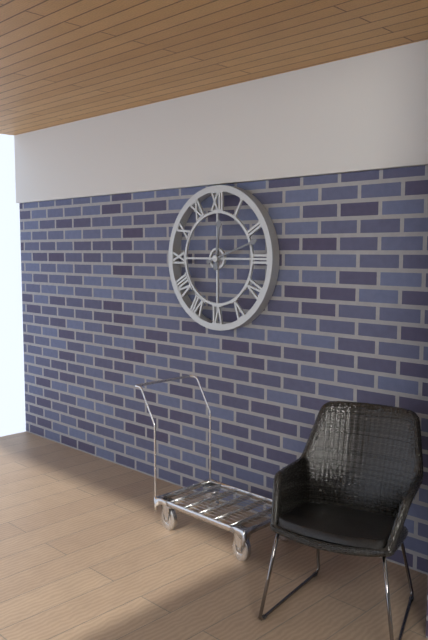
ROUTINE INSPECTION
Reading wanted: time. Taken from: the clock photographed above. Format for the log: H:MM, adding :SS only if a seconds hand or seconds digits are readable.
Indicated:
12:12
